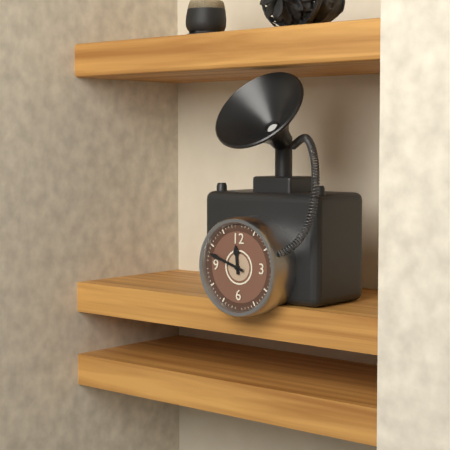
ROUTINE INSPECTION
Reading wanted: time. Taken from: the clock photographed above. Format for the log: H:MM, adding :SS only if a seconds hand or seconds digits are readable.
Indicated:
11:48
